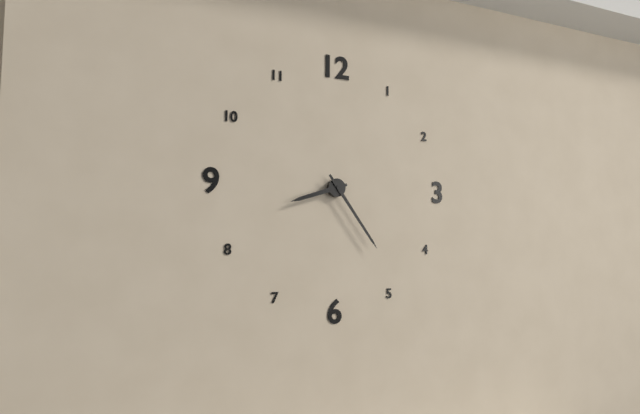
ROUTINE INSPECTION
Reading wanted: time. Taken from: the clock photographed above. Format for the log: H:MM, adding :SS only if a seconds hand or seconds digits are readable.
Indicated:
8:24
